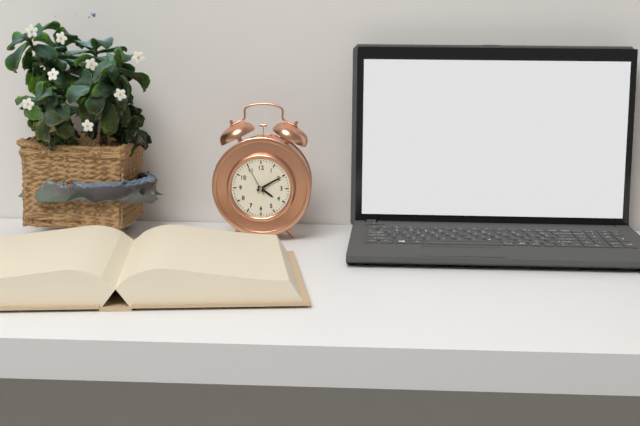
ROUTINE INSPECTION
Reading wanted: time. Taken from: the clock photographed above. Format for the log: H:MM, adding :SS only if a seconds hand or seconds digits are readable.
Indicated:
4:10
